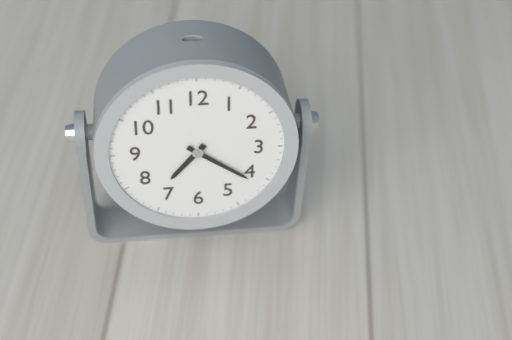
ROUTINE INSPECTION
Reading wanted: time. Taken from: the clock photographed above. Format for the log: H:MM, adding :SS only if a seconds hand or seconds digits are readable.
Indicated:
7:21
